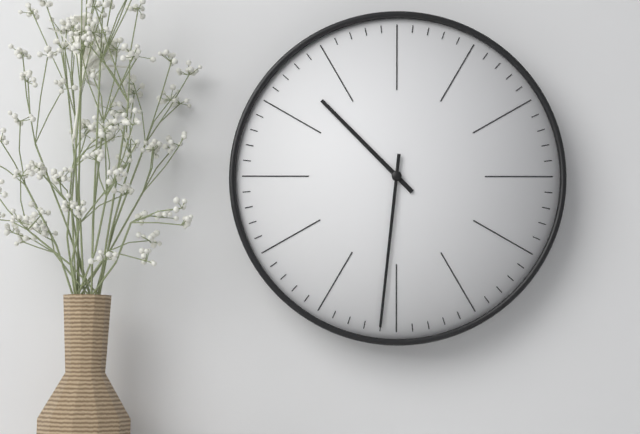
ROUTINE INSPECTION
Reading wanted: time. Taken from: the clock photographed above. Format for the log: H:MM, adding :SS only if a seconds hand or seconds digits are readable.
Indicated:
10:31
